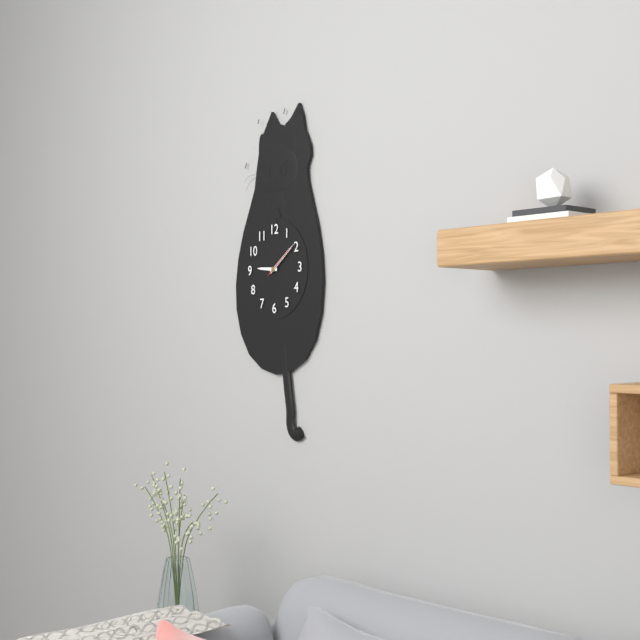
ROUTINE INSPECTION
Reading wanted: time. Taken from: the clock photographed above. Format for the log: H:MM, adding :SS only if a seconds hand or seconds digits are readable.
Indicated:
9:09
